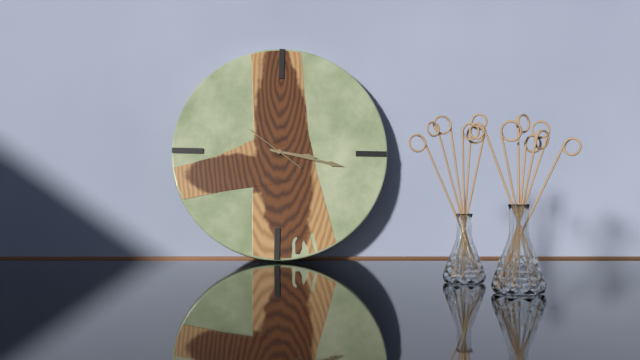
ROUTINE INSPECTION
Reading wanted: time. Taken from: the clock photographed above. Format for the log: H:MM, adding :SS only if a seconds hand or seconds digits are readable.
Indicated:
3:17:51
